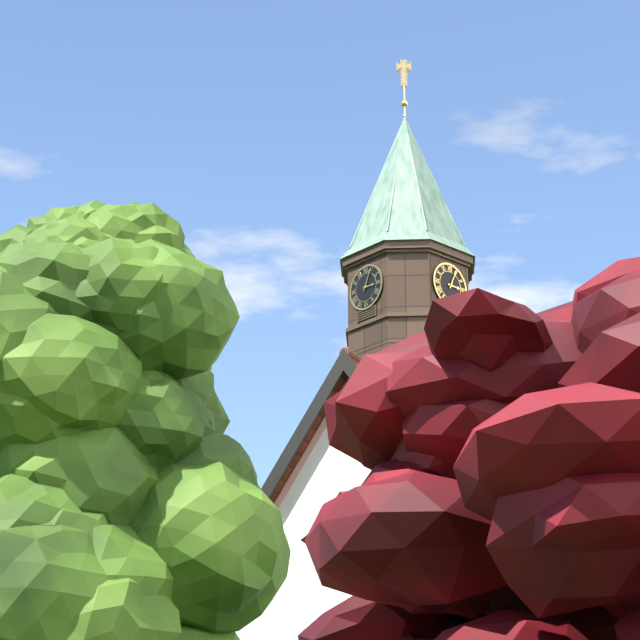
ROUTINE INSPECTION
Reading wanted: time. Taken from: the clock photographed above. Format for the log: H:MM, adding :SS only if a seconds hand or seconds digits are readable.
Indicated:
3:04
